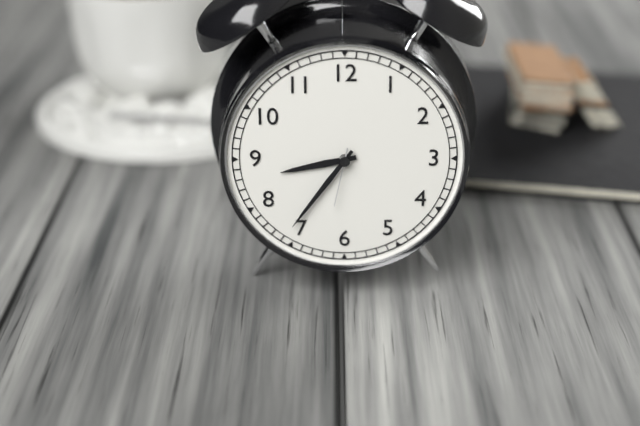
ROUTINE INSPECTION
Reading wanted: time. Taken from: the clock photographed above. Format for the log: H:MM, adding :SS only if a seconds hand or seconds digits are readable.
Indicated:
8:36:32
